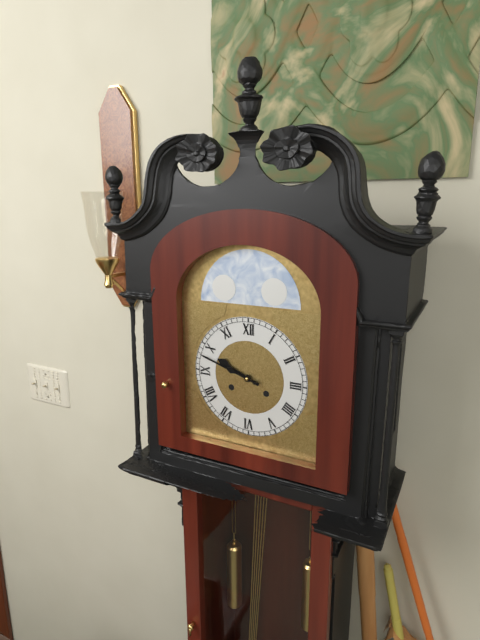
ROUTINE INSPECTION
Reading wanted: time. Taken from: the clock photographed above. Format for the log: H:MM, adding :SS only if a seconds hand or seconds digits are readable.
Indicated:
9:48
